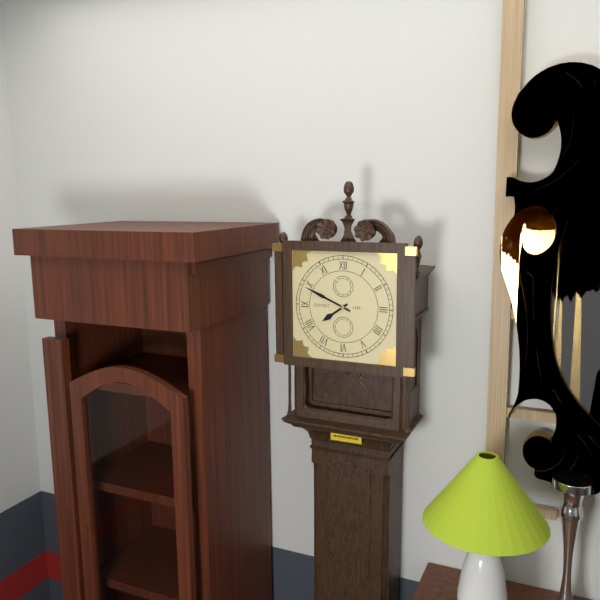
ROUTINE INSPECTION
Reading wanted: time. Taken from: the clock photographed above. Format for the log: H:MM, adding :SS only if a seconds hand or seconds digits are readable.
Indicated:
7:49
